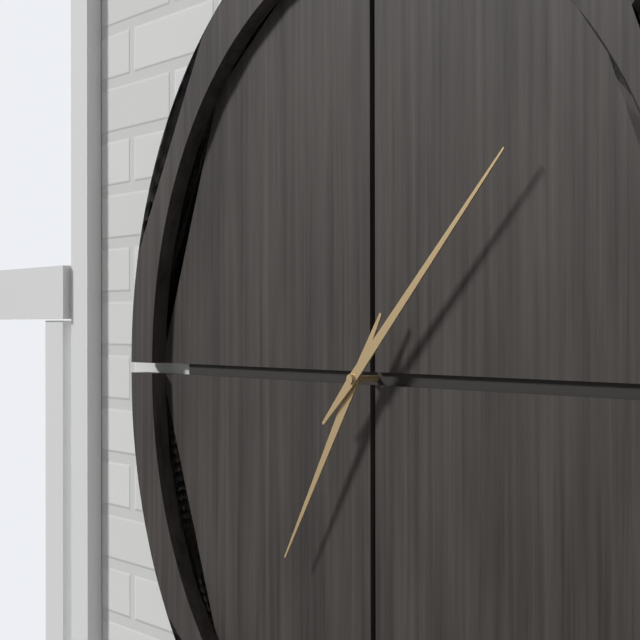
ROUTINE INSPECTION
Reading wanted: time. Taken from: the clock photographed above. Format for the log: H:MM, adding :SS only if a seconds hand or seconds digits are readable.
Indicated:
7:08
